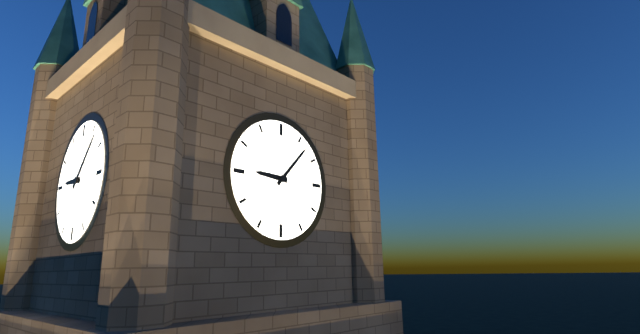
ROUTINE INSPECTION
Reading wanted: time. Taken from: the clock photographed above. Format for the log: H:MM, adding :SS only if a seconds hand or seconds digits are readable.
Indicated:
9:07
